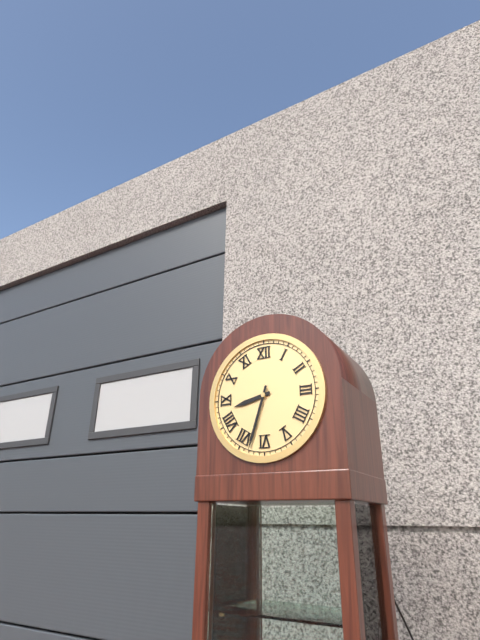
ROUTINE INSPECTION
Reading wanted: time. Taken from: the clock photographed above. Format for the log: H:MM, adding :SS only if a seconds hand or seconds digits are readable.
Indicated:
8:33
